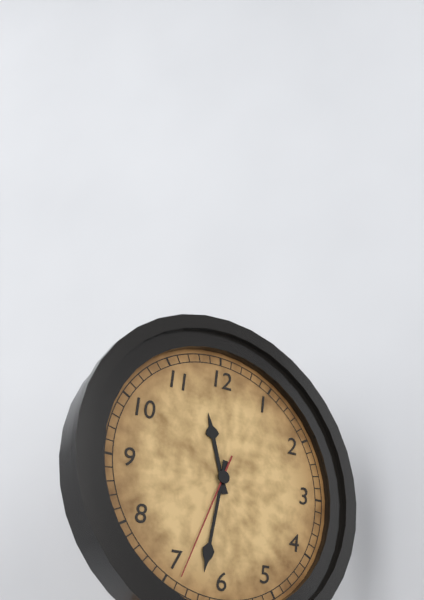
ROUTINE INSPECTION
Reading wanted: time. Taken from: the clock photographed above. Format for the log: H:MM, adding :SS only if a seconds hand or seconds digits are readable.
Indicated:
11:32:34
